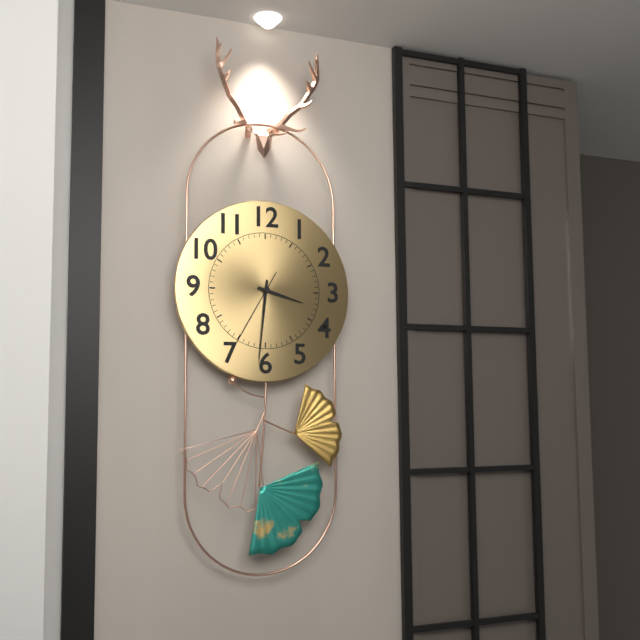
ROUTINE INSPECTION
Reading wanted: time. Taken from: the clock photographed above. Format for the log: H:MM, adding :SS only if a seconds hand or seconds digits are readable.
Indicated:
3:31:35
